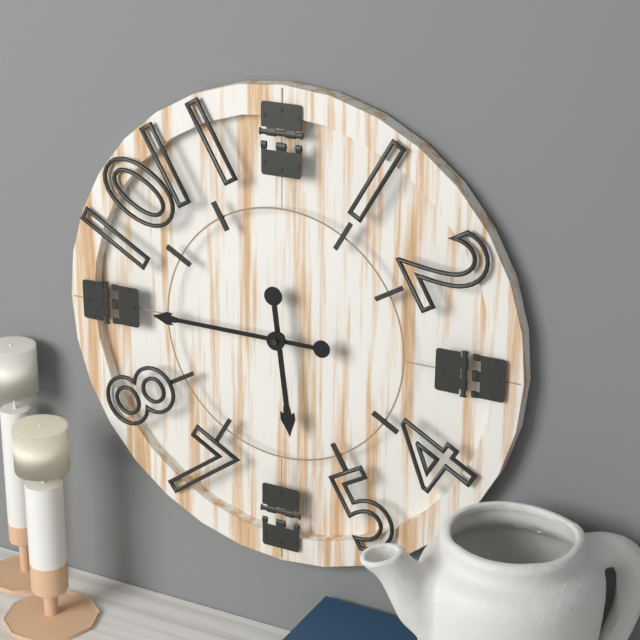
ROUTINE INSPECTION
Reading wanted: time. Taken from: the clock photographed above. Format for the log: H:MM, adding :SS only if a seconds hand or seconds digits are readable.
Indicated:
5:45
